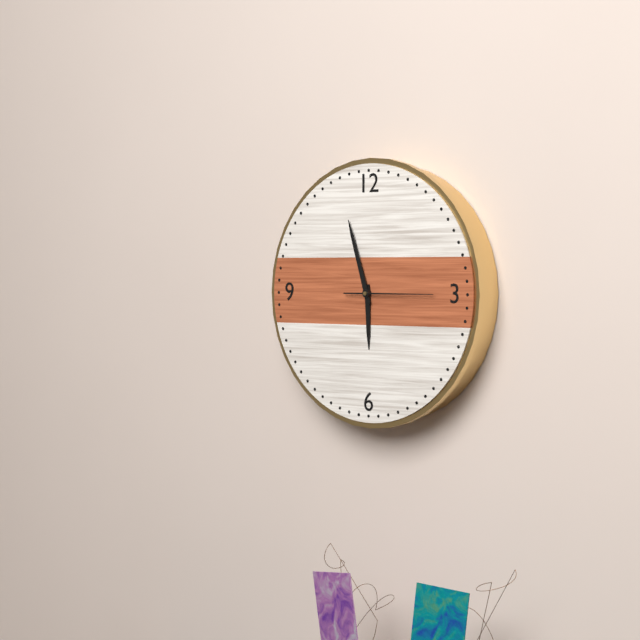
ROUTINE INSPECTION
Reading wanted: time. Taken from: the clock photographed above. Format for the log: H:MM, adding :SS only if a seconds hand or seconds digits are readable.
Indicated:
5:57:15
